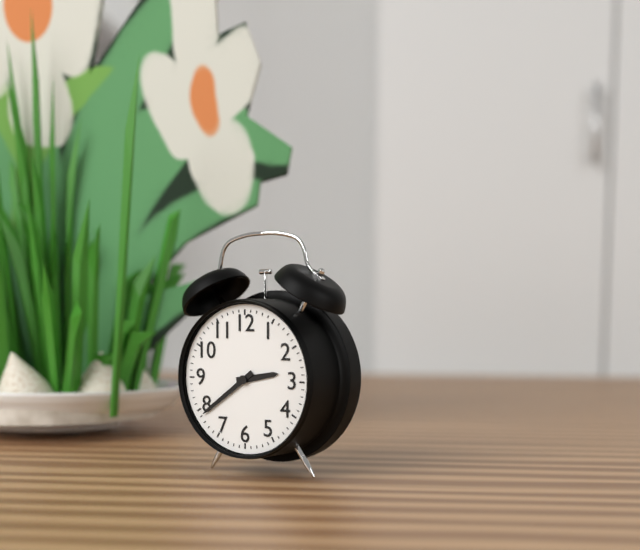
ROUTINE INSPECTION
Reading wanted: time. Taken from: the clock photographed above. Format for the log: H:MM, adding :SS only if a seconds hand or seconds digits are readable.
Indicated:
2:39
